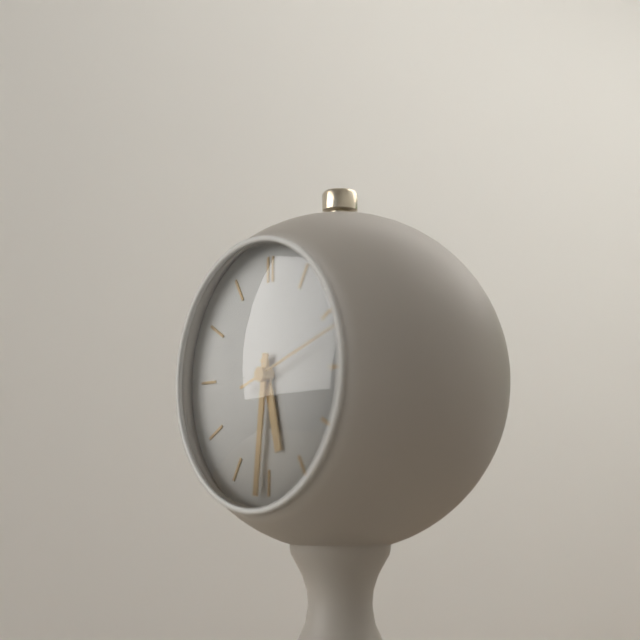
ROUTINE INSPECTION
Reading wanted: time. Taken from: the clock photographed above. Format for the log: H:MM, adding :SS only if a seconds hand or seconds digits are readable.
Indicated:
5:31:12
